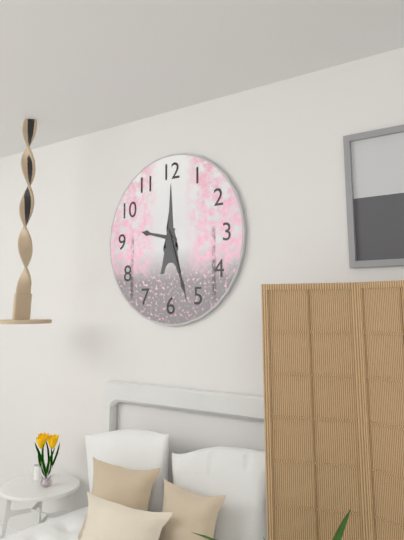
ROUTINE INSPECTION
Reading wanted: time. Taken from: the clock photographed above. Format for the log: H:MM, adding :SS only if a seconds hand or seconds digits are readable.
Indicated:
9:27
